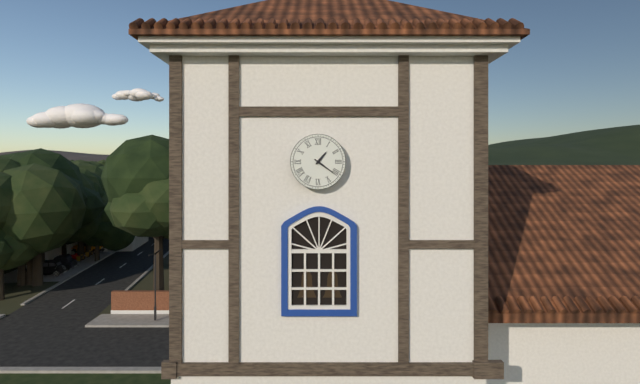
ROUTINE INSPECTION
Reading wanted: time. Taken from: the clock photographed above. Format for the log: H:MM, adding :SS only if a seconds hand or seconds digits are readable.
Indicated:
1:21
